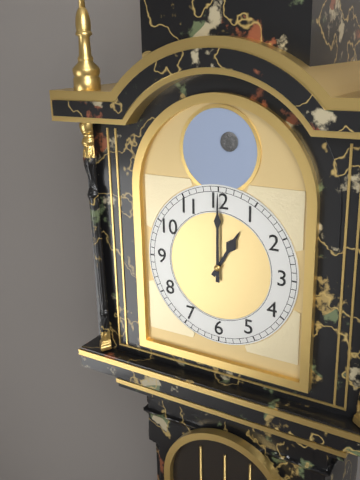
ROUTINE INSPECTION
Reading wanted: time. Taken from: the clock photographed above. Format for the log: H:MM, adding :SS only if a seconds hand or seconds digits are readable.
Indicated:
1:00
